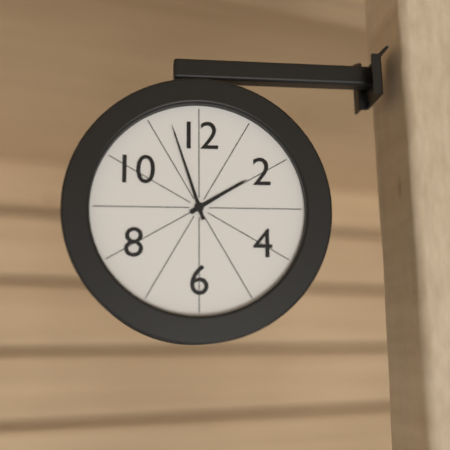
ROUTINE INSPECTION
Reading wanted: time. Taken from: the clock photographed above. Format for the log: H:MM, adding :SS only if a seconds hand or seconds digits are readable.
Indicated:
1:57
